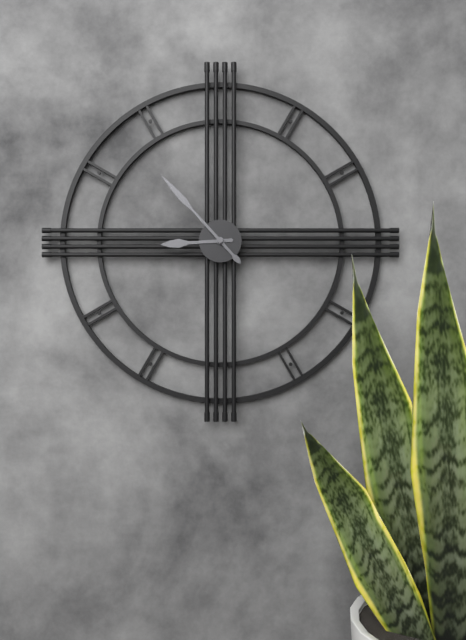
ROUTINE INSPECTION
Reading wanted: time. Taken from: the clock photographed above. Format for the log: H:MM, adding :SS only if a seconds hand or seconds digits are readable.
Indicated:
8:53
